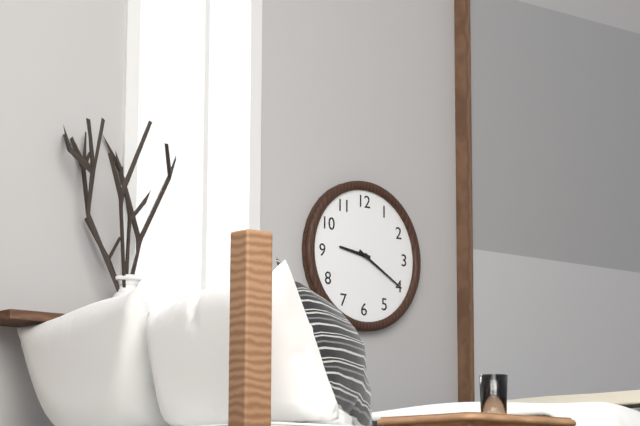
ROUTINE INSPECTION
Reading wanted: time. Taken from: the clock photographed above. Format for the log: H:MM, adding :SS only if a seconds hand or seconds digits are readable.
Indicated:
9:20
